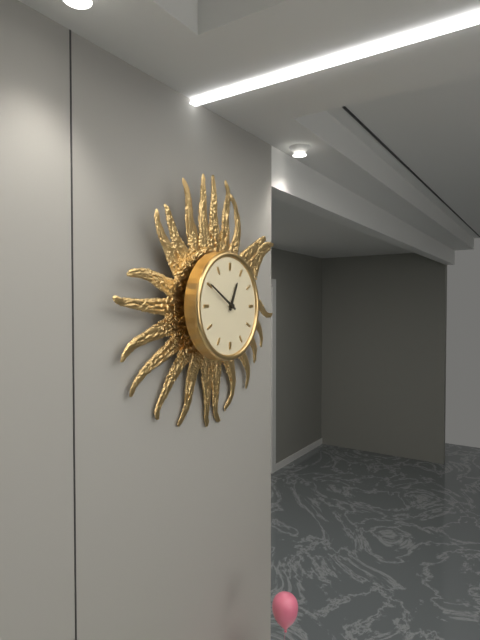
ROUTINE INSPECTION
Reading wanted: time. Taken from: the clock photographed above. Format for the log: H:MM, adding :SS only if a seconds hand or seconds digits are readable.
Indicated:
12:50
